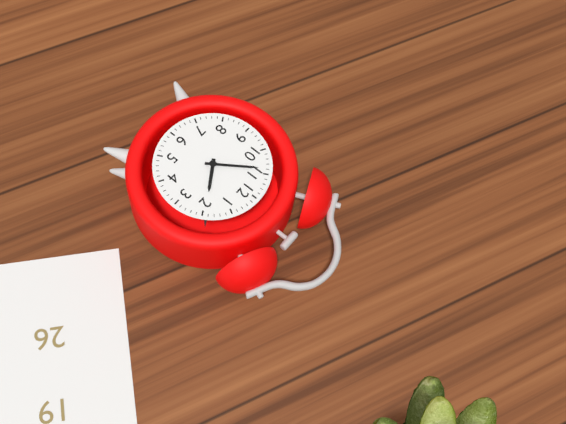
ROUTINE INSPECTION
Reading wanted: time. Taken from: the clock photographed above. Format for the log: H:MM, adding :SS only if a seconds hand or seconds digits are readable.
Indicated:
1:54
